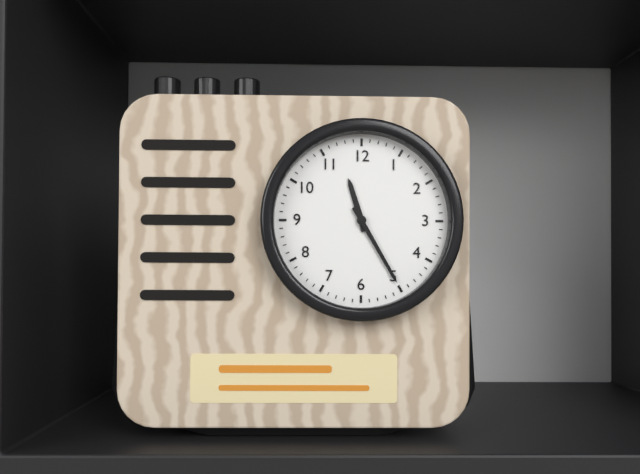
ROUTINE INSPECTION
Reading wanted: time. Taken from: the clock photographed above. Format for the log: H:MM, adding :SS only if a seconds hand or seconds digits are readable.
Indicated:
11:25
